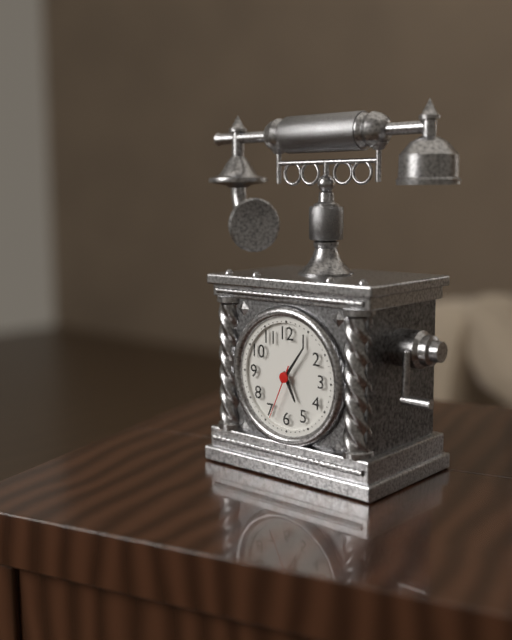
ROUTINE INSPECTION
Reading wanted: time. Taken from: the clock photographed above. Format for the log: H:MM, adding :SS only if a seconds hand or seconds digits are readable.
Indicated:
5:06:34
